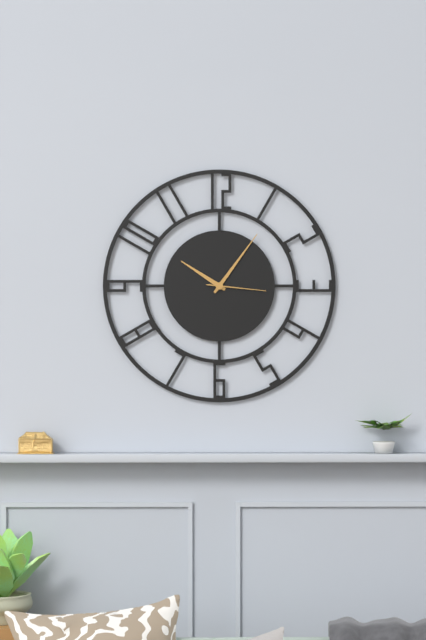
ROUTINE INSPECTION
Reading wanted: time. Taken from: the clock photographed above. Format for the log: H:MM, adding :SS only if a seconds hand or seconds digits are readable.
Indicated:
10:06:16
